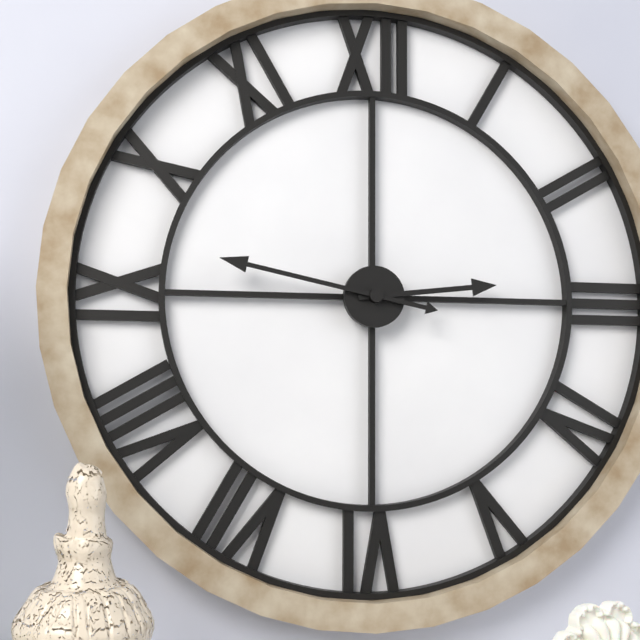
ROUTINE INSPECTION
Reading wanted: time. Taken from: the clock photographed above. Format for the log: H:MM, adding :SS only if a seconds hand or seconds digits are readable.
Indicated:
2:47
